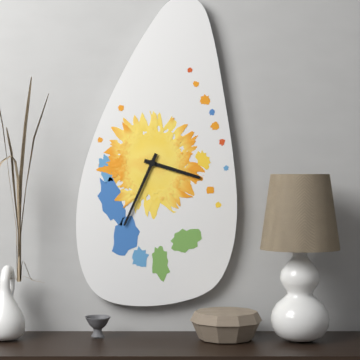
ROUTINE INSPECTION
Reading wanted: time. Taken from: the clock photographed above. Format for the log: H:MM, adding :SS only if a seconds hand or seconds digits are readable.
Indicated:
3:34
